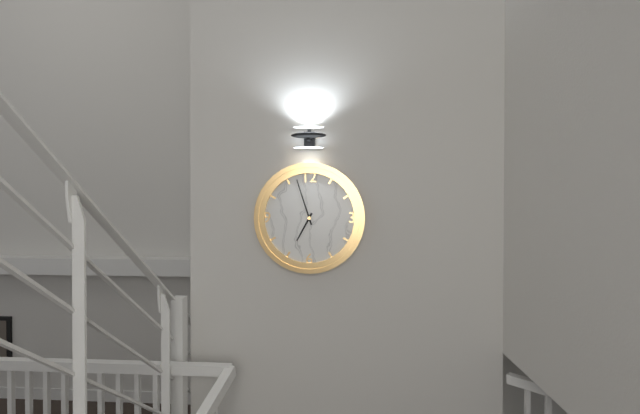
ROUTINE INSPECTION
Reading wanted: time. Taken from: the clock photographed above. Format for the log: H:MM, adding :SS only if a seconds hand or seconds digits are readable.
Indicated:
6:57
